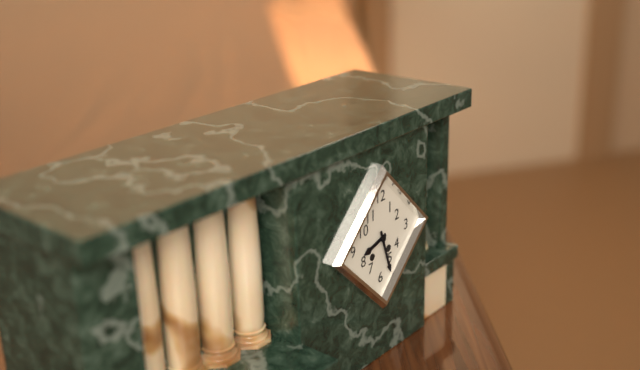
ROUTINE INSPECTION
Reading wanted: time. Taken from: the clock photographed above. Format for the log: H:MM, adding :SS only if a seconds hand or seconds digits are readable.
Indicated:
8:27
